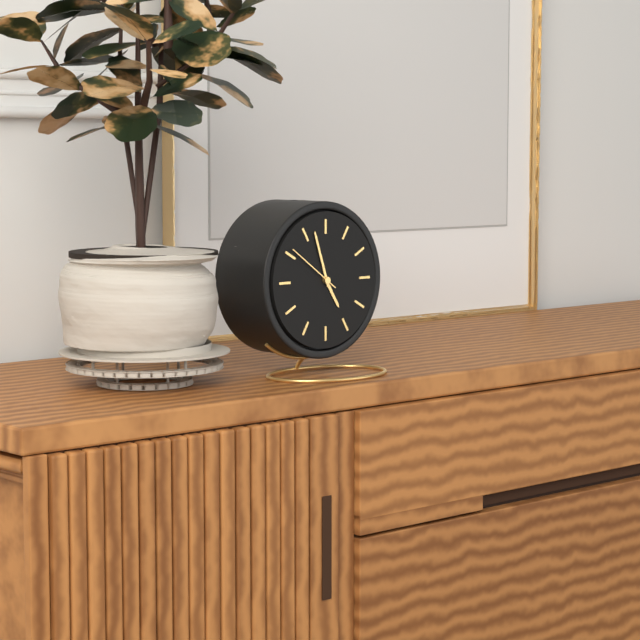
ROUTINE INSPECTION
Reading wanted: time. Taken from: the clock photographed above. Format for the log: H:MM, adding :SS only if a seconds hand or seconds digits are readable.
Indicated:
4:57:51
